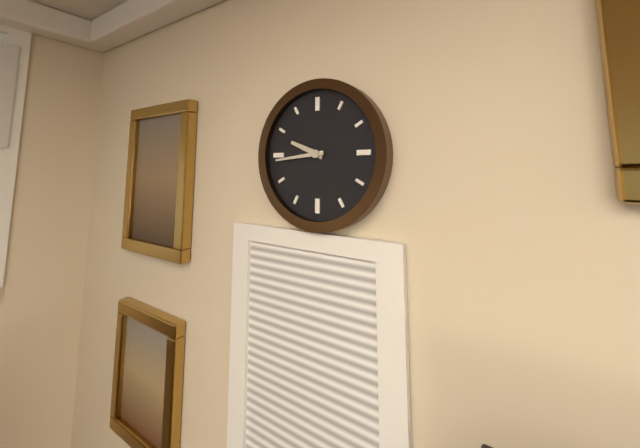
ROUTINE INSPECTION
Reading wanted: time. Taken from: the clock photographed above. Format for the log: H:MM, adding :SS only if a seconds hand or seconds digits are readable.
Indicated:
9:44
